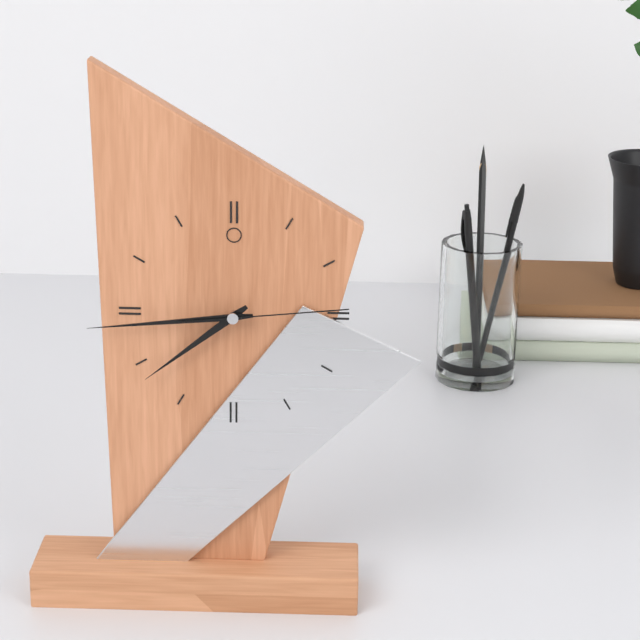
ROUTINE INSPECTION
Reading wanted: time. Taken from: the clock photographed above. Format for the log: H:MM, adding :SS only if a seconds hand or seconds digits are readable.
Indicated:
7:44:14
